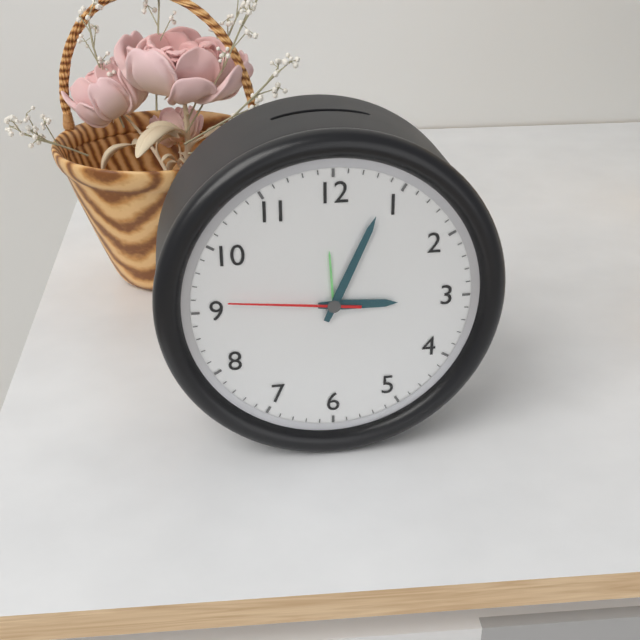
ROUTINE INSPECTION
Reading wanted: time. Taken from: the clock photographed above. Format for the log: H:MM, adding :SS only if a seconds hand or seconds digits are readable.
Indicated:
3:04:46
